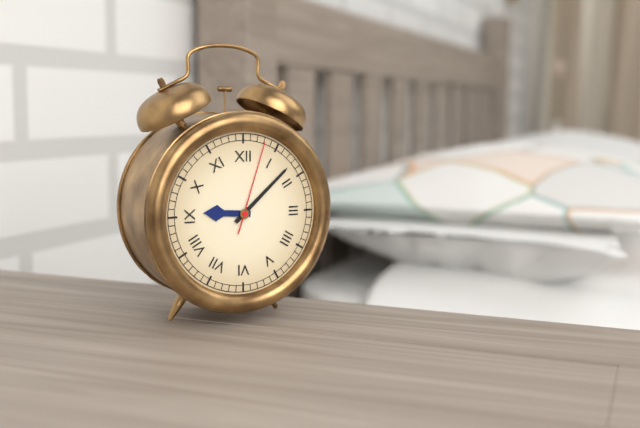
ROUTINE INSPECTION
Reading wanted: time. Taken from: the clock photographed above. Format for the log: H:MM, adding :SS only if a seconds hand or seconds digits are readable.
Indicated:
9:08:03
